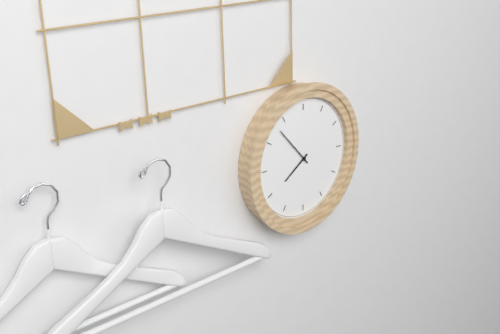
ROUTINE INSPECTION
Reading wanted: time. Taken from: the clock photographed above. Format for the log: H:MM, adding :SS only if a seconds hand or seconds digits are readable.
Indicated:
7:53
